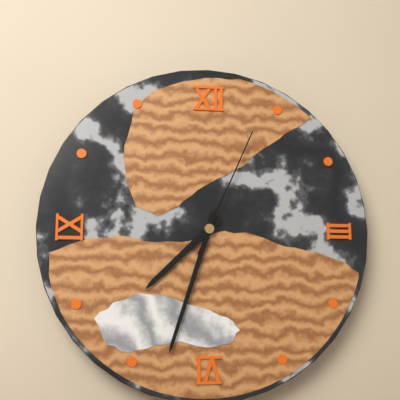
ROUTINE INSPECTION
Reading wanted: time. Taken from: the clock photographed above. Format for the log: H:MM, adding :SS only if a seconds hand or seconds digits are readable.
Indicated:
7:33:04
